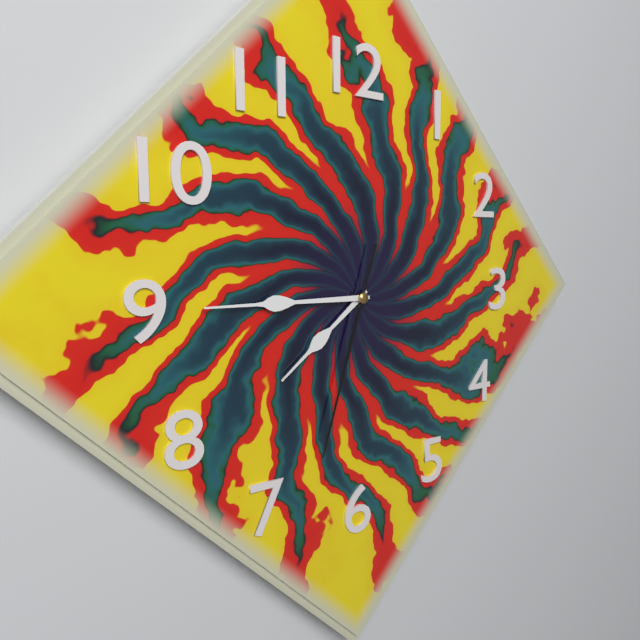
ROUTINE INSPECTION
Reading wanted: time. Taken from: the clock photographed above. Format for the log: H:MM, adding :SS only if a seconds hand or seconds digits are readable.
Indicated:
7:45:33
